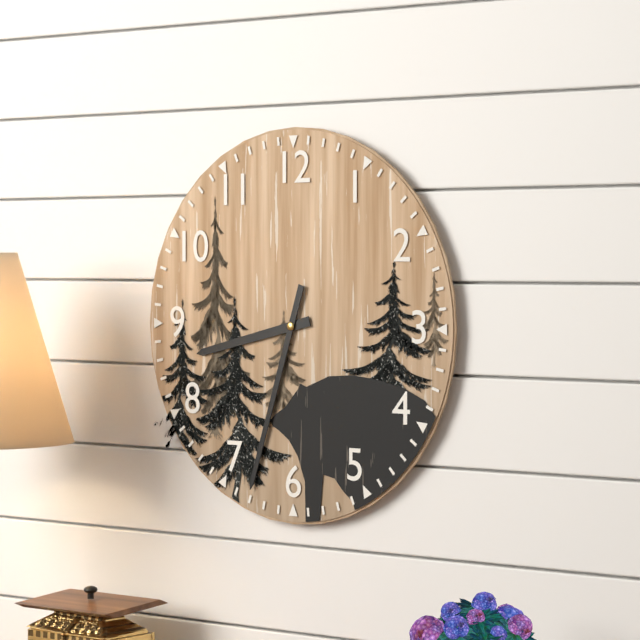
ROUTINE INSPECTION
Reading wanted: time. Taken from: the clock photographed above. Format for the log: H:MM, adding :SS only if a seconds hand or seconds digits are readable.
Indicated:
8:33
